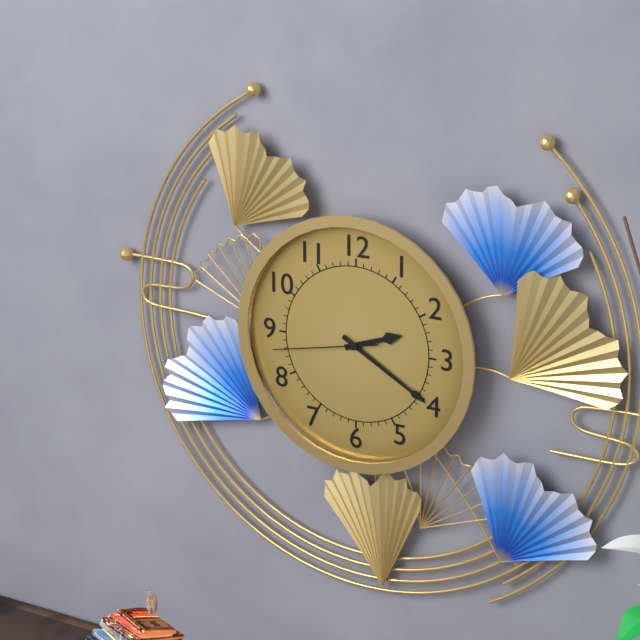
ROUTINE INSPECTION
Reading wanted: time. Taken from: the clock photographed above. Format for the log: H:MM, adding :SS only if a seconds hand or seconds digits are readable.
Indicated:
2:20:43
